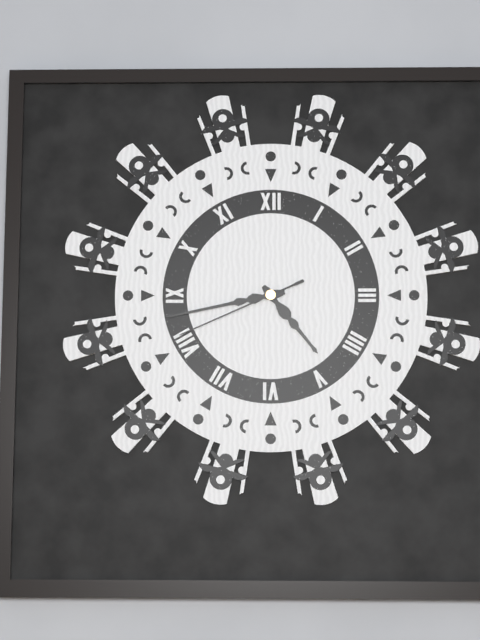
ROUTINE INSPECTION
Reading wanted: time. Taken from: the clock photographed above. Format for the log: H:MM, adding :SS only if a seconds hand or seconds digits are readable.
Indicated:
4:43:41
